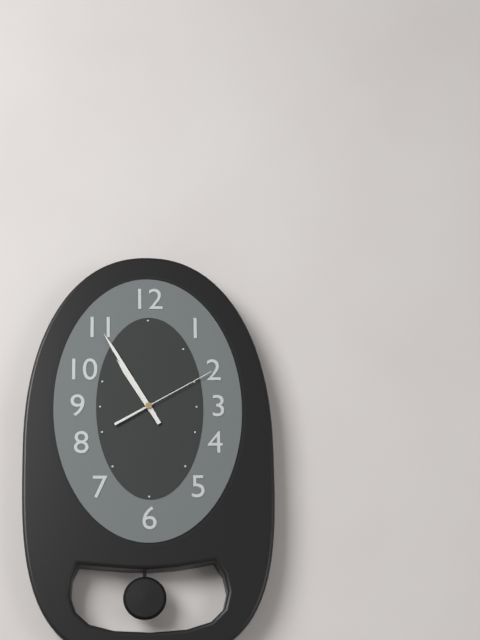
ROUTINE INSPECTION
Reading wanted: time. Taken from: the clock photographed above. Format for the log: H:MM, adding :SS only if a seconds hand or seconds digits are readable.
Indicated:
10:55:10
